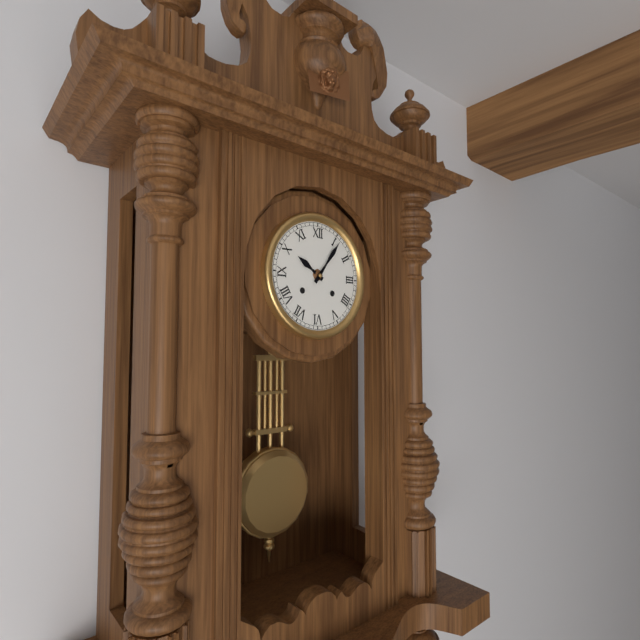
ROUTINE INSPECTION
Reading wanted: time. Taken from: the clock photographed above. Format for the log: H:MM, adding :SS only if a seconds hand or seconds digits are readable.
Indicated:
10:06
